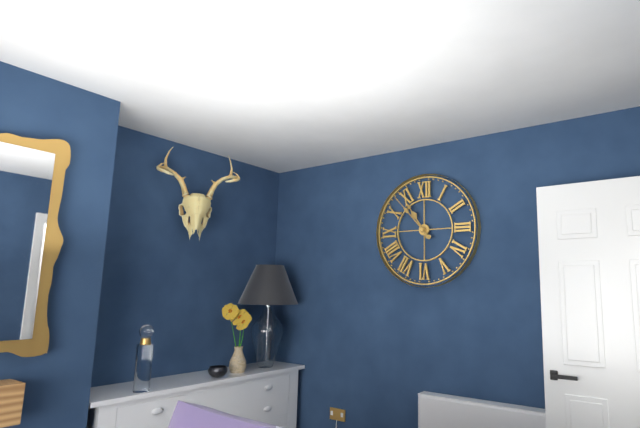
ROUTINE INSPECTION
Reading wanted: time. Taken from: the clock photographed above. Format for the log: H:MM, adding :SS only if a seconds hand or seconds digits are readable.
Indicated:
10:53
